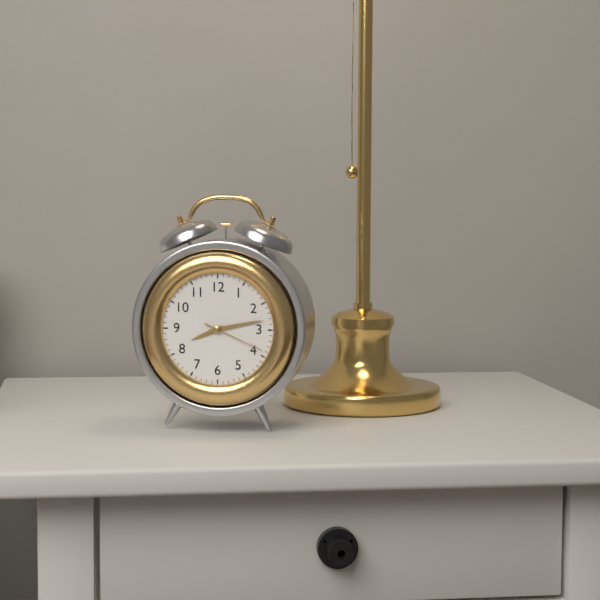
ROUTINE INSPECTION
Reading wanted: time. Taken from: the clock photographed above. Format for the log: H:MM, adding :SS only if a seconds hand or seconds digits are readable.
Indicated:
8:13:19
